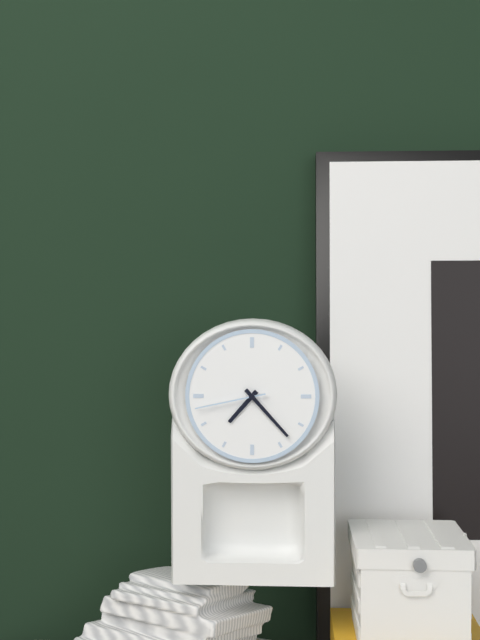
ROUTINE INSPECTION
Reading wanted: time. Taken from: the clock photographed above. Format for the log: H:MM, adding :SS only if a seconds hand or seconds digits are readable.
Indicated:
7:23:43
